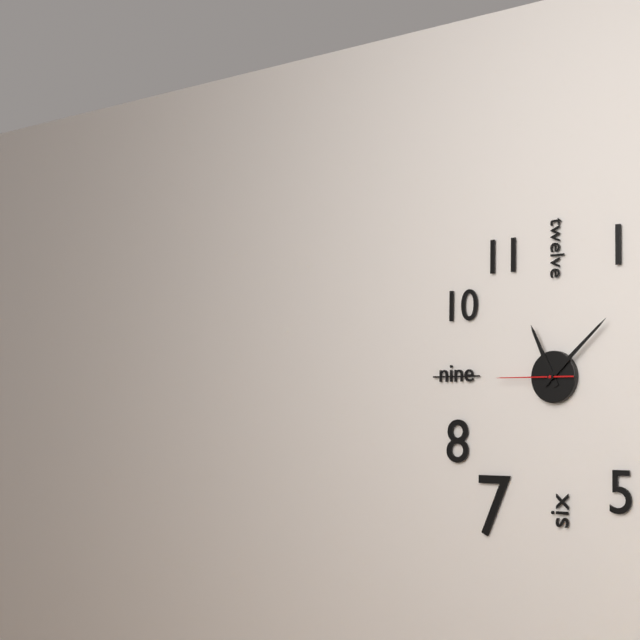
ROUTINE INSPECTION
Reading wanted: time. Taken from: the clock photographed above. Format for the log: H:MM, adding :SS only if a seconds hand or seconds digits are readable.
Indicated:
11:08:45
